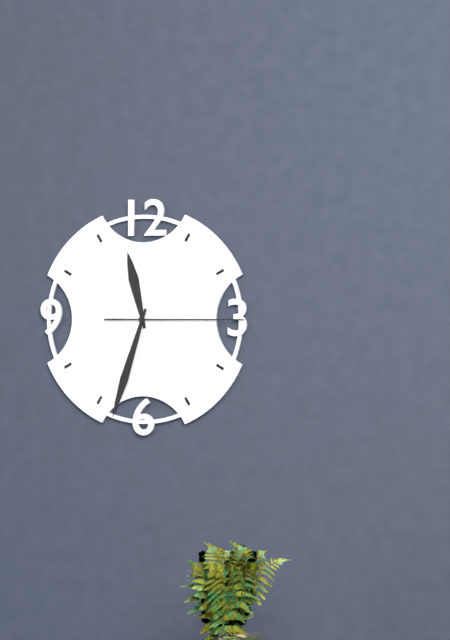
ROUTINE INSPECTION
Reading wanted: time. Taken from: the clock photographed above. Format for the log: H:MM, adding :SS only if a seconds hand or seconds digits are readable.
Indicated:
11:33:15
